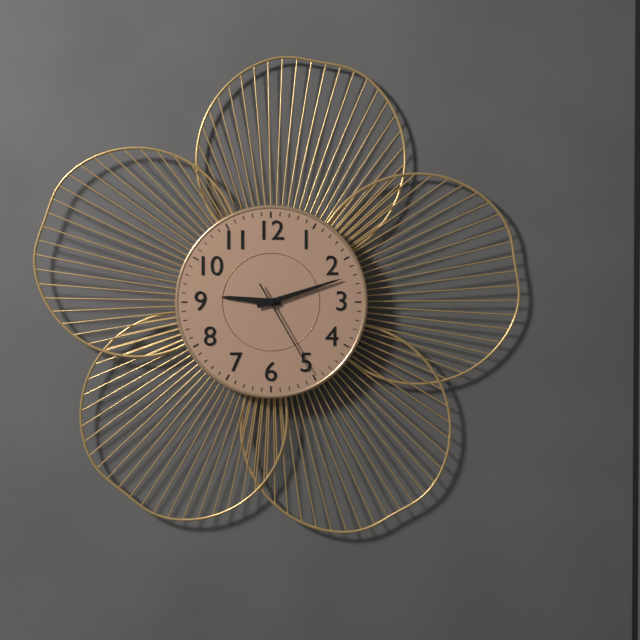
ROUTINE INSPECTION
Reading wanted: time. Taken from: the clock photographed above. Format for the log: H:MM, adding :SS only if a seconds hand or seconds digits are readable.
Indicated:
9:12:25
